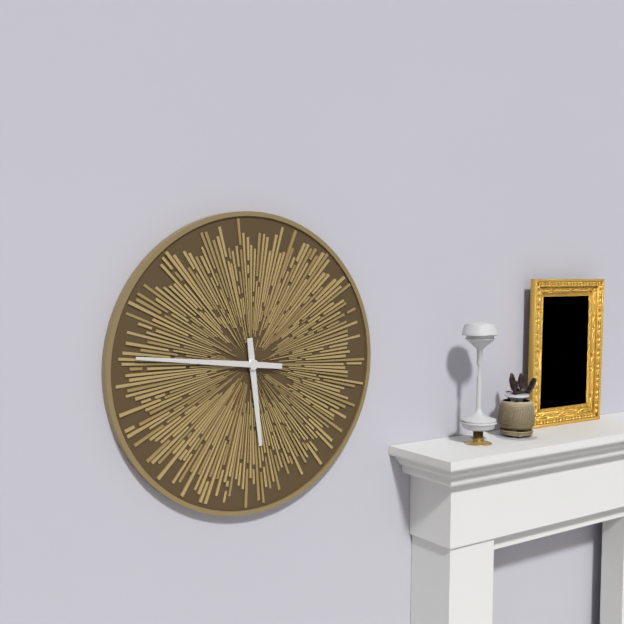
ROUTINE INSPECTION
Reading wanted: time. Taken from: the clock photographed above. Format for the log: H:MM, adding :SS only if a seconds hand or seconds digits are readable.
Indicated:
5:46
